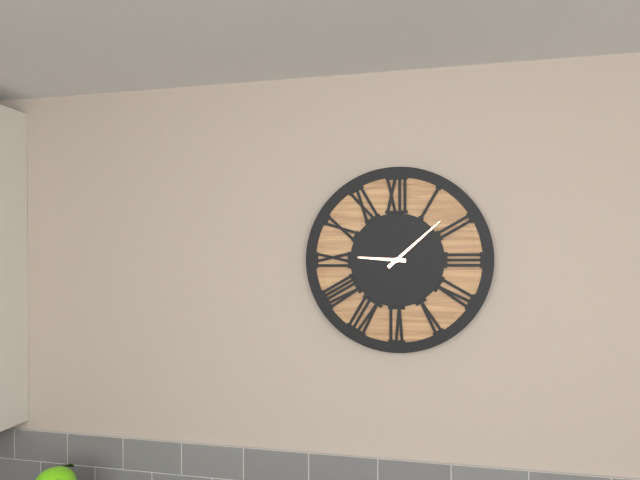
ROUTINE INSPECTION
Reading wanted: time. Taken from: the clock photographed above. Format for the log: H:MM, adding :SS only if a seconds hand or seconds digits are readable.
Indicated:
9:08
